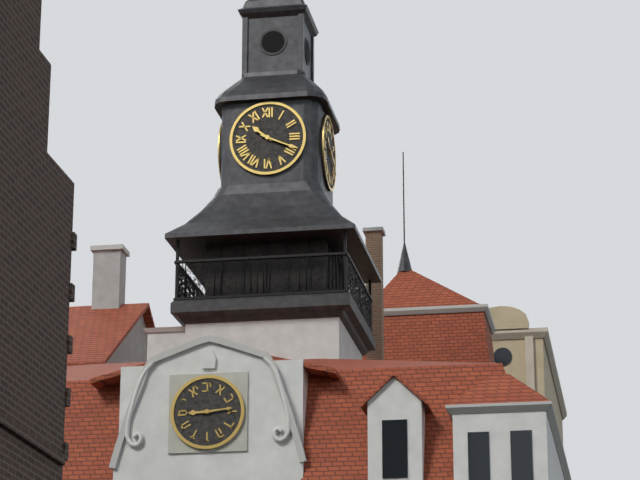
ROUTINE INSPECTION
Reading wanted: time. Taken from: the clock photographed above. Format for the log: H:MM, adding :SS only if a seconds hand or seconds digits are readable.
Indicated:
10:19
